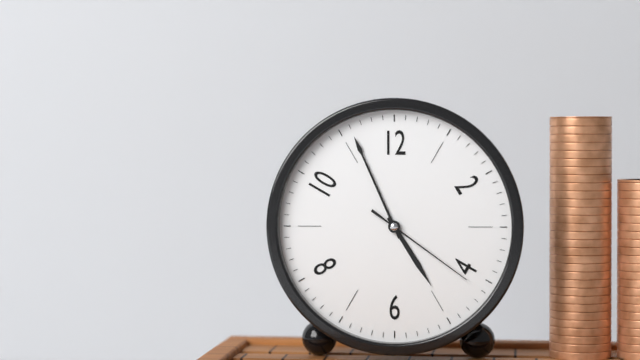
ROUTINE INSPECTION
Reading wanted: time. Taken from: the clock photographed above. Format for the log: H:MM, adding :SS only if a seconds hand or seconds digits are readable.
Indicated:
4:56:21
